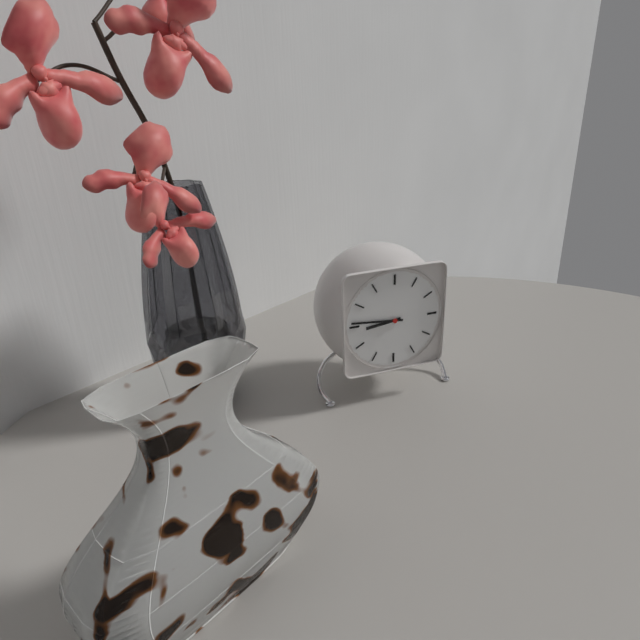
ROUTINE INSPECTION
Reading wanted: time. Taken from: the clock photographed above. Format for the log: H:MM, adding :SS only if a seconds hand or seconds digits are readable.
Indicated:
8:46
